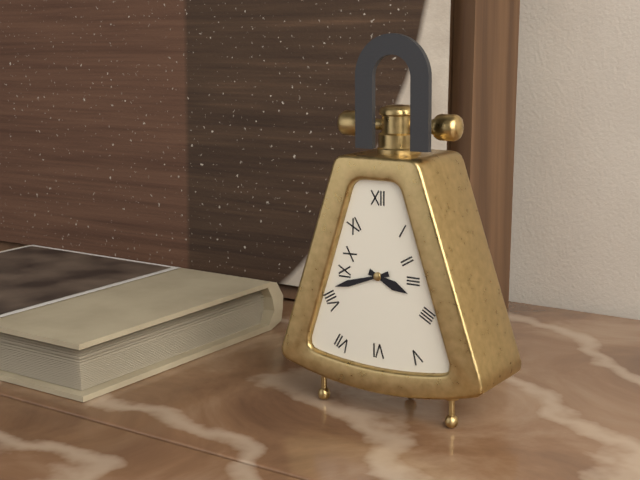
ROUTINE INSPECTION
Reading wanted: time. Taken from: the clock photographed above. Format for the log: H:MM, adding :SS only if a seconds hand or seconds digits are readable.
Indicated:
3:42
